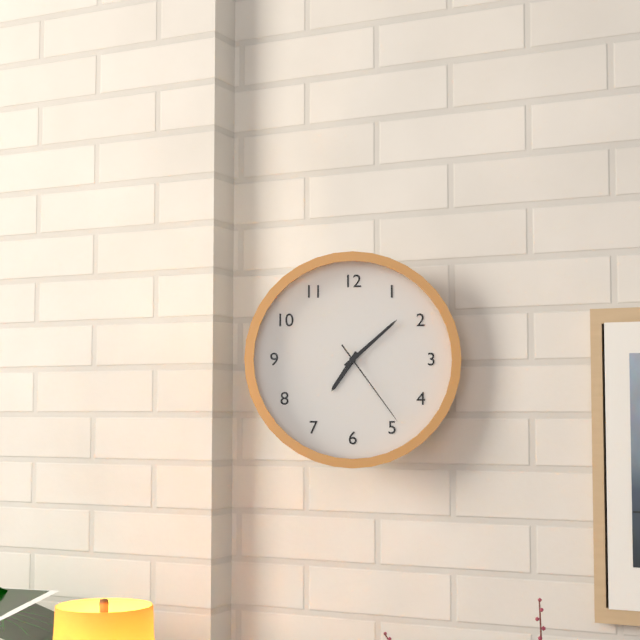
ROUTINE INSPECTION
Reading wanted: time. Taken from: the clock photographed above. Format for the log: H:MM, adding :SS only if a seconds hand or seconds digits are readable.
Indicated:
7:08:24
